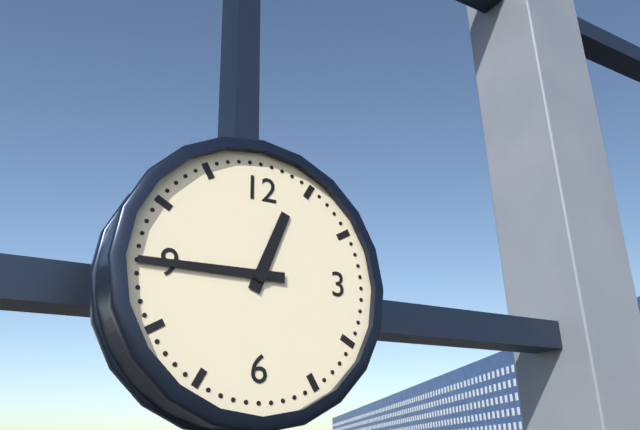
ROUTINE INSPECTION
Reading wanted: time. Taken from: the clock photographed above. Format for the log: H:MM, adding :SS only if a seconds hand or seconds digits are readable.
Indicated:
12:45
